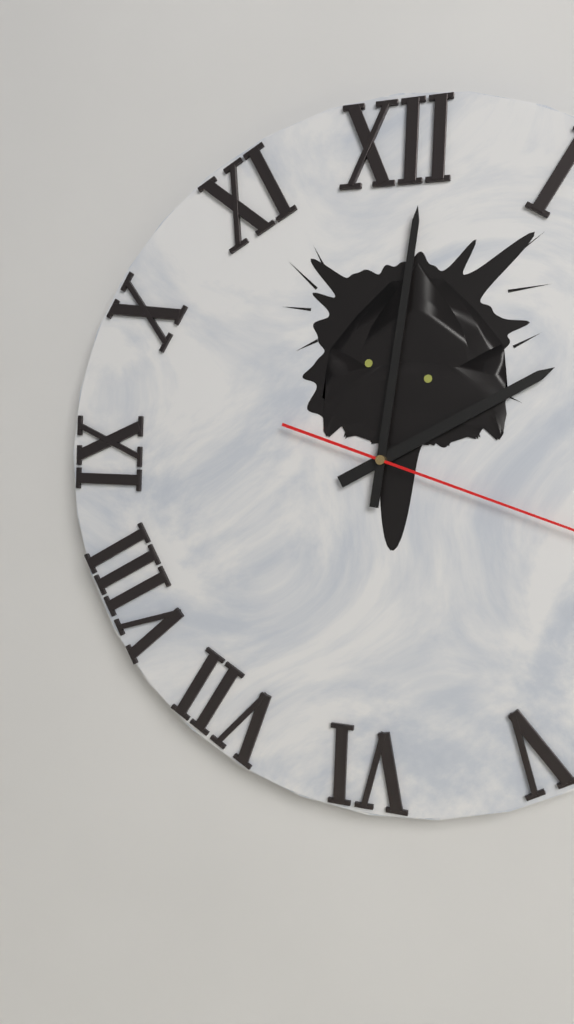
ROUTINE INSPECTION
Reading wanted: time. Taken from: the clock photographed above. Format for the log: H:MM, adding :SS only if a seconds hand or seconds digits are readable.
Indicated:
2:01
